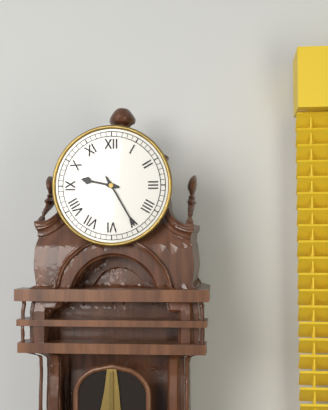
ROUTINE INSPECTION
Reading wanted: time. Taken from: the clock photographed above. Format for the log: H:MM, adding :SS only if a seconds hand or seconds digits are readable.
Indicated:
9:25
